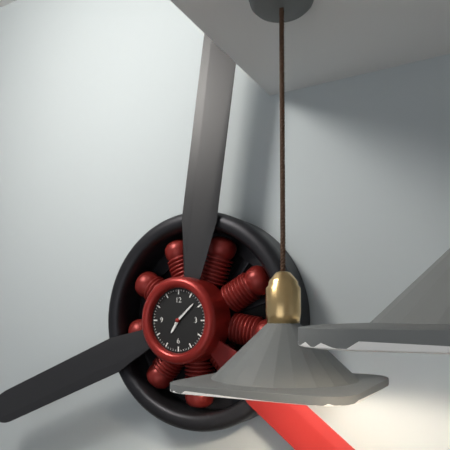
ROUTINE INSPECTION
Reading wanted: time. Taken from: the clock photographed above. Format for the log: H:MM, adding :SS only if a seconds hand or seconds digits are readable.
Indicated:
7:08
